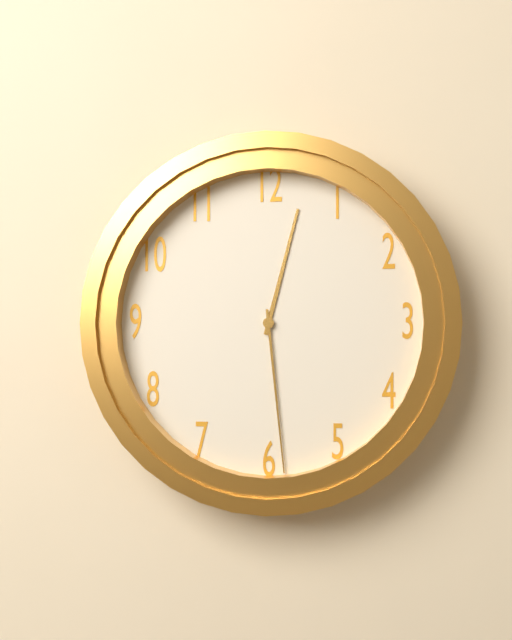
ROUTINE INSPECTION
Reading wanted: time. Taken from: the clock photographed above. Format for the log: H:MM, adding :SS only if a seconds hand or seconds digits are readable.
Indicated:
12:29
